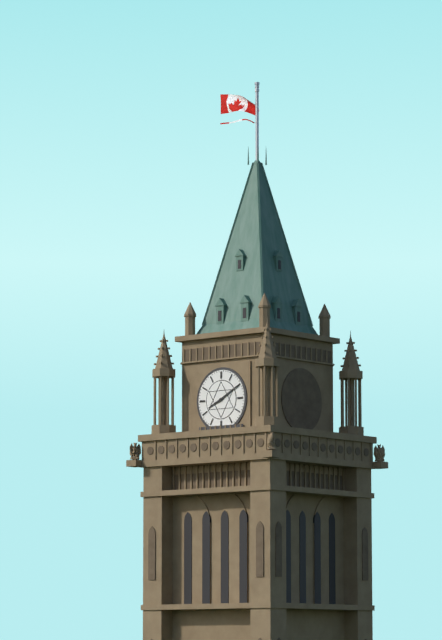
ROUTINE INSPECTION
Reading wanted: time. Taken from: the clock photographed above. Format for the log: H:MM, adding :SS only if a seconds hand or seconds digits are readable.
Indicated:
8:10
